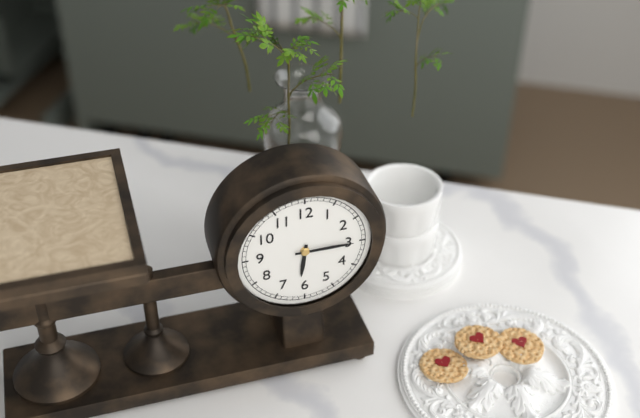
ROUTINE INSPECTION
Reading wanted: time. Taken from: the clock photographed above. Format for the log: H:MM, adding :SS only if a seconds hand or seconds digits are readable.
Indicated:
6:15
